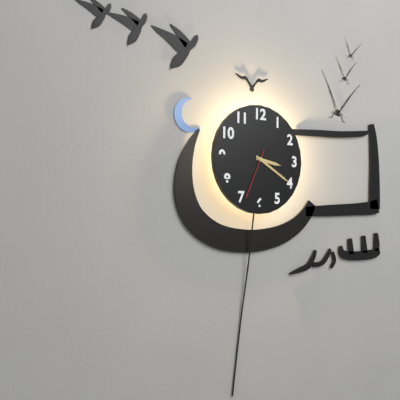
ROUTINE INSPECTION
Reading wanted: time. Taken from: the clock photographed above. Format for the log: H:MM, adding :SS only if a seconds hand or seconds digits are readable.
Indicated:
3:20
